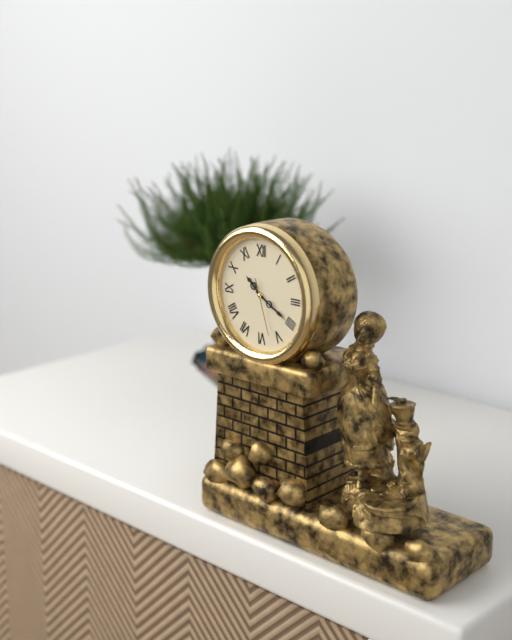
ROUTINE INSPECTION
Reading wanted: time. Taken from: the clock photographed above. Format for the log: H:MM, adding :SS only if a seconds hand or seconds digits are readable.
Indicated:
10:20:27
